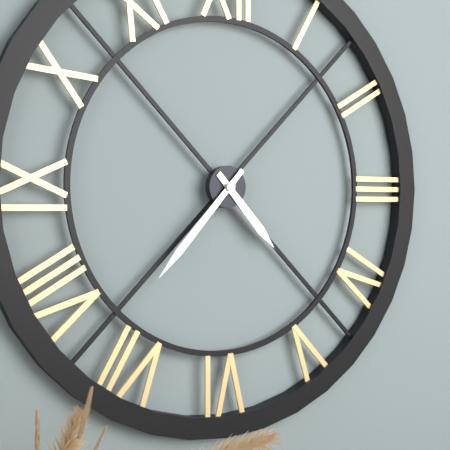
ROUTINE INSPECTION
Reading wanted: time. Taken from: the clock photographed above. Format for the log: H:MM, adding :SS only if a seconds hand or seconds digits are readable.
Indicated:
4:37
